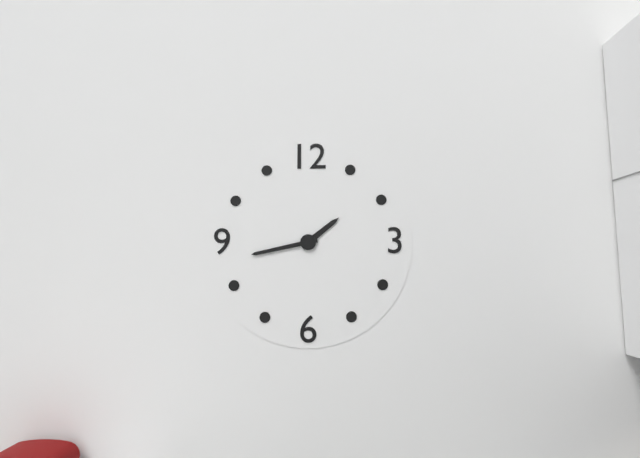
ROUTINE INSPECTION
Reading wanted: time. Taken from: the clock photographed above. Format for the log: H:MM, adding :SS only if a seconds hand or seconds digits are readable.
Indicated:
1:43
